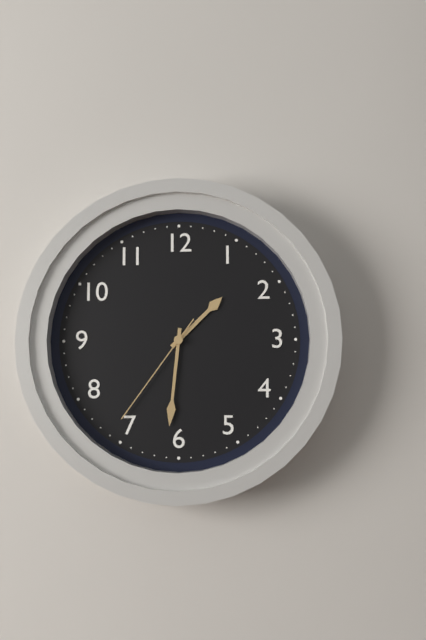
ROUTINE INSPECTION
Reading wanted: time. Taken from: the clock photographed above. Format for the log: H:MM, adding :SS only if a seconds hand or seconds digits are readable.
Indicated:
1:31:36
